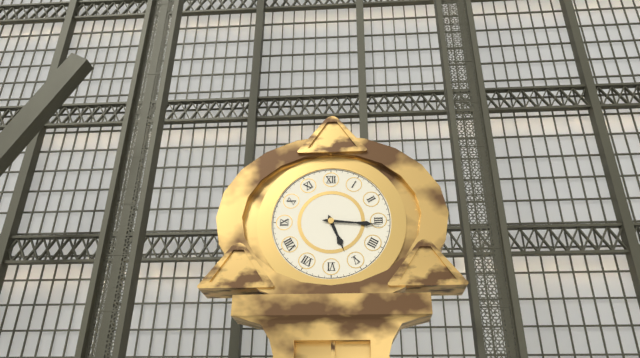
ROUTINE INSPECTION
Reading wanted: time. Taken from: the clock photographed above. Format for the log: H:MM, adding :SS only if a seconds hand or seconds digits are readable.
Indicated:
5:16
